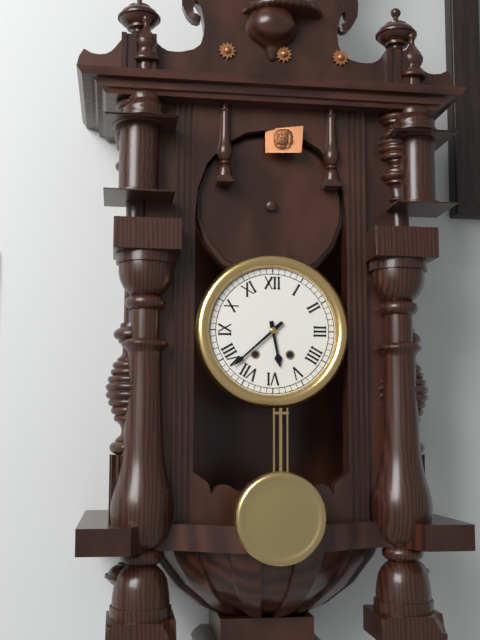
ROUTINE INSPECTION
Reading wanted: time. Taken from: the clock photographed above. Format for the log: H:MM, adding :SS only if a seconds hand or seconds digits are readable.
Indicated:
5:38
